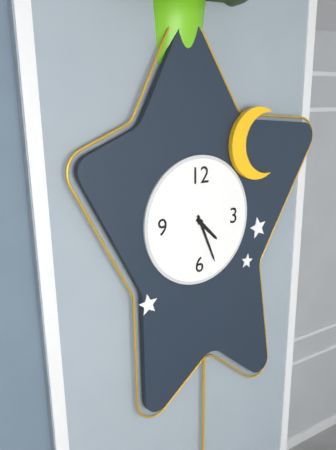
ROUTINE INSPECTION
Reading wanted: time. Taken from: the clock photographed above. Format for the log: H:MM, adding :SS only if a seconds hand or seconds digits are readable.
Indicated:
4:26
